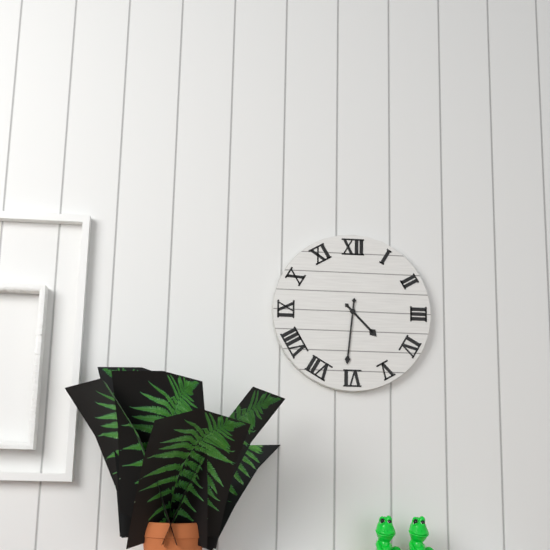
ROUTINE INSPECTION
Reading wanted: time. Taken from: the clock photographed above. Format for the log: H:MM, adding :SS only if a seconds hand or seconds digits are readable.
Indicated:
4:31
